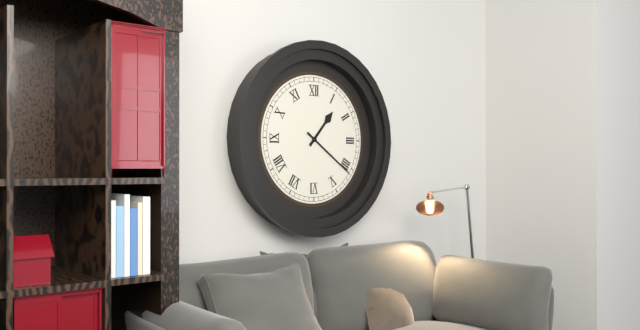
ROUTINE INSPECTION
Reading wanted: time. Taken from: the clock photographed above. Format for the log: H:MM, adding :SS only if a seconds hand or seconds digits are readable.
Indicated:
1:21
